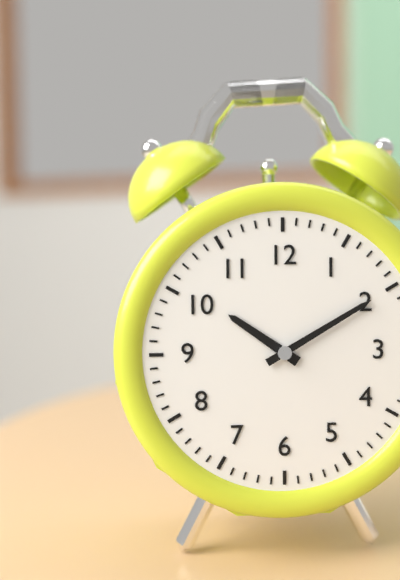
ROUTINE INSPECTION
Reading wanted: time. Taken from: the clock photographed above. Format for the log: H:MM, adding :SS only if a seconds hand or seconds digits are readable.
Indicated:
10:10
